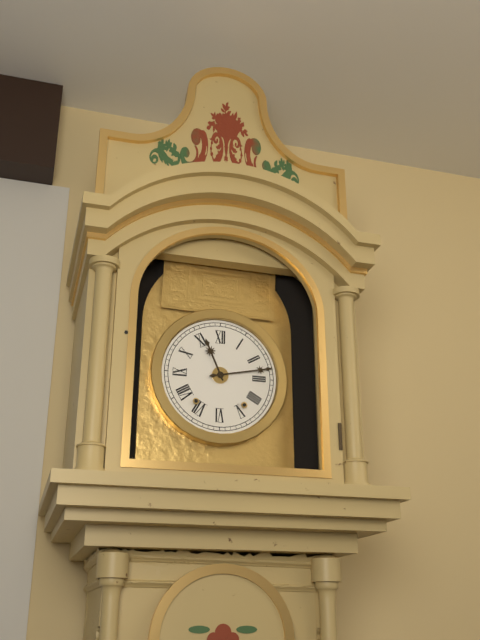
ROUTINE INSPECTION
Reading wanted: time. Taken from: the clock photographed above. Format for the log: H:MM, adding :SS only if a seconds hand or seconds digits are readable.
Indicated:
11:13
